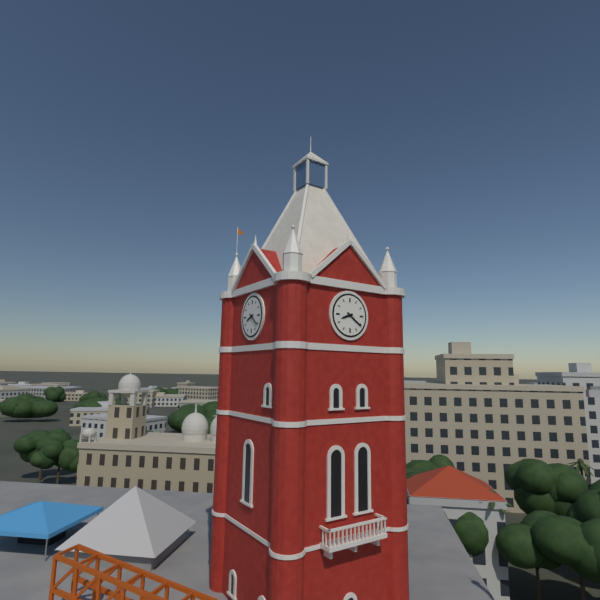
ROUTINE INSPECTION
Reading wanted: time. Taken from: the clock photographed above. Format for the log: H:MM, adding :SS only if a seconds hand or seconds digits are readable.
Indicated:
8:21
